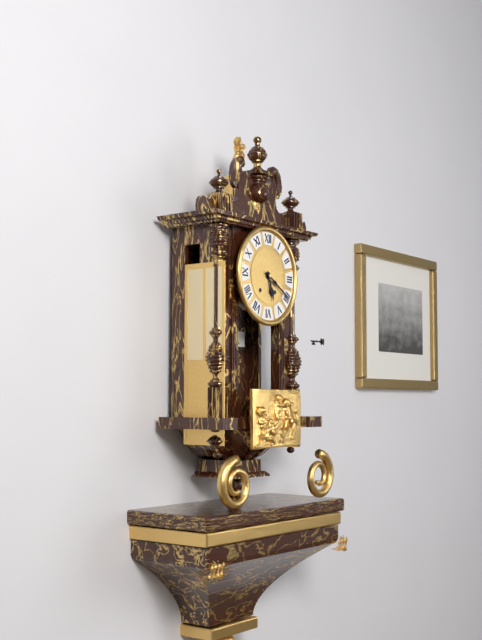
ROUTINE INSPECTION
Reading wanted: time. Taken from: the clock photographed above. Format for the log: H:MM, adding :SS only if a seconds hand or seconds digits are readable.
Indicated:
5:20
